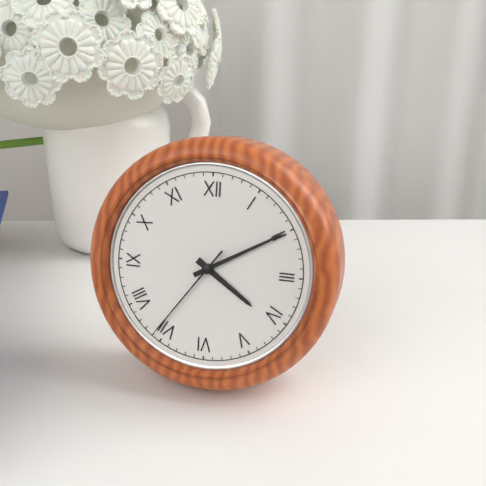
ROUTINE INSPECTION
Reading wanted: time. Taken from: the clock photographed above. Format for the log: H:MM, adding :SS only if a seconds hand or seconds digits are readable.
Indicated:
4:10:36
